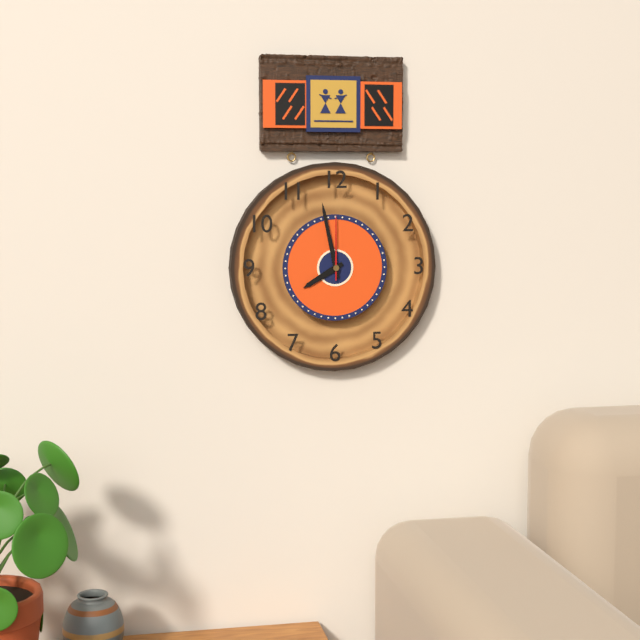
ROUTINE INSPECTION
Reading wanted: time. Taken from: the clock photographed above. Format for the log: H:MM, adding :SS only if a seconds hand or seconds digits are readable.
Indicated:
7:58:00
